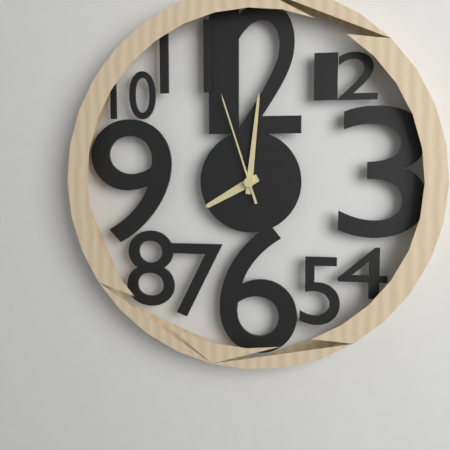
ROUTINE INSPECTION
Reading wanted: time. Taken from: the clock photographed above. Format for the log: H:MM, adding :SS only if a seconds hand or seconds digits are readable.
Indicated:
8:01:57
